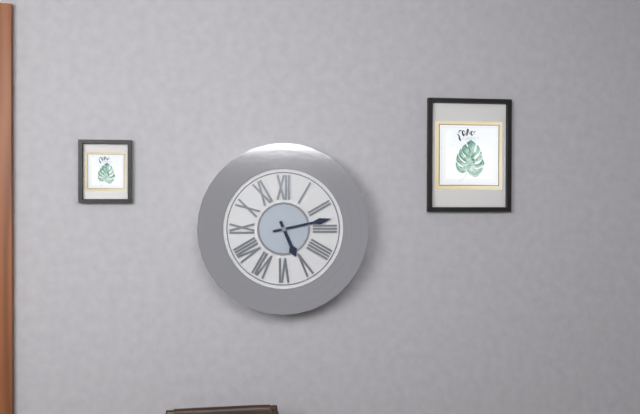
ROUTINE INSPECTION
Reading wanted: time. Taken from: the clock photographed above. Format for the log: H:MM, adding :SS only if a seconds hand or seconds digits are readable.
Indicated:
5:13
